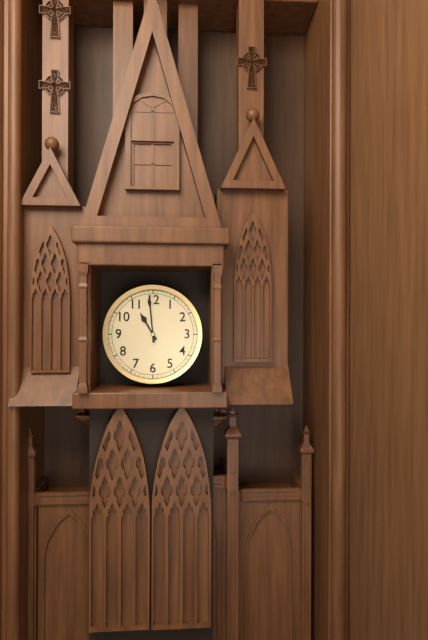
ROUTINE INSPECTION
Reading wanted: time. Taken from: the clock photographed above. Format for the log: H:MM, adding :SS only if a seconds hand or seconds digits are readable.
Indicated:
10:59
